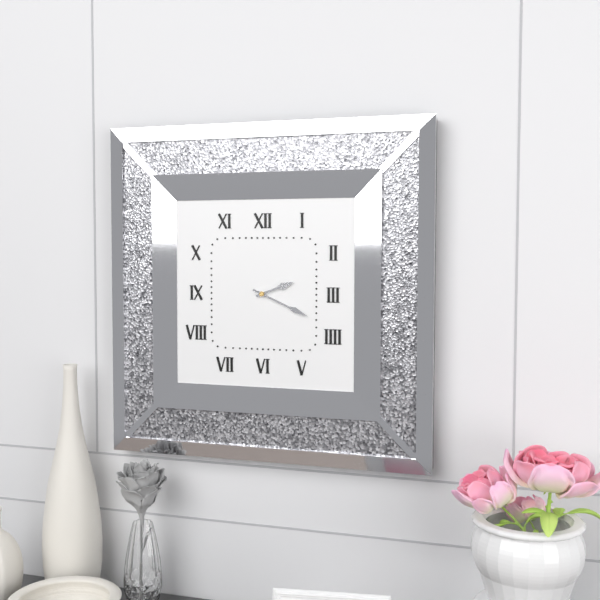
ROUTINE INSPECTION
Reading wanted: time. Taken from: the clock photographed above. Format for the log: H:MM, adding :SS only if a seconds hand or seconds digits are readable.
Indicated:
2:19
